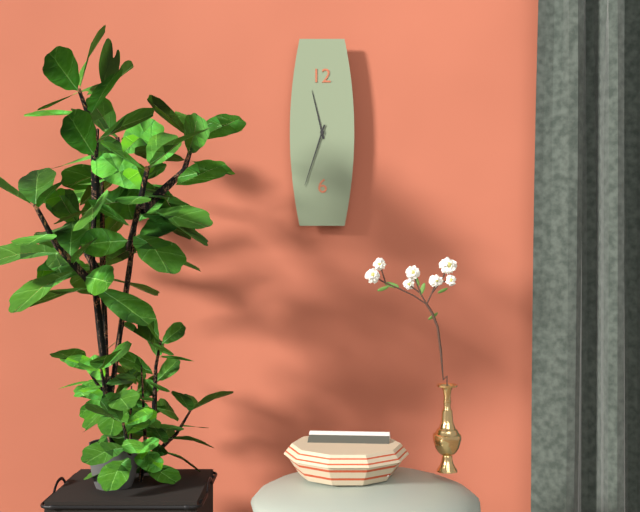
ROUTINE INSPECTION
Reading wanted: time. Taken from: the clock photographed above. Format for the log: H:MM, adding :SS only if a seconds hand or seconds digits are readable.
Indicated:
11:33
